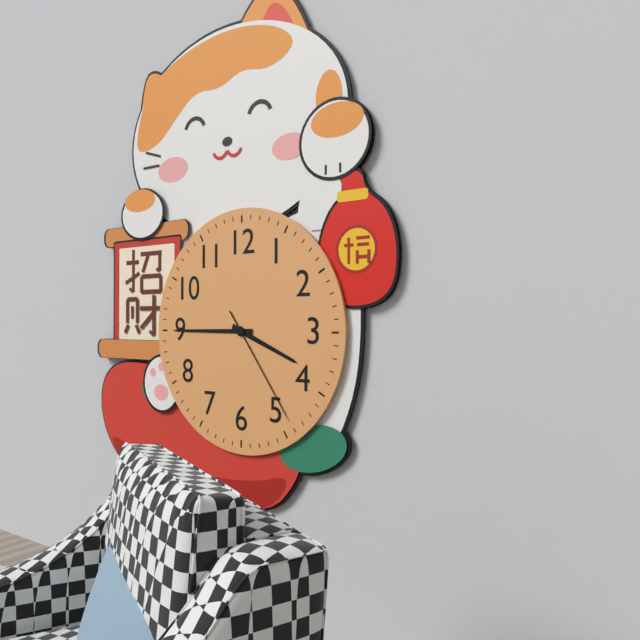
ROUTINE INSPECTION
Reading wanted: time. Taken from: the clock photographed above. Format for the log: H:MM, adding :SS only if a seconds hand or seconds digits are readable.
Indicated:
3:45:24
